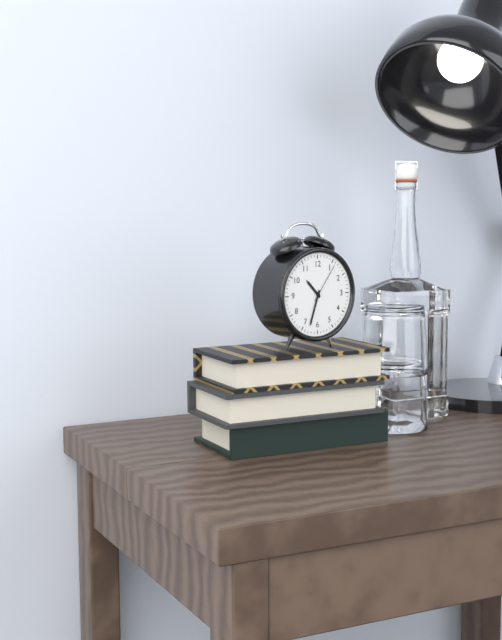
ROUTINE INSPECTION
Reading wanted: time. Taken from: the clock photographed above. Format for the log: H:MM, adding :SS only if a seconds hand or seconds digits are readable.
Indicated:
10:33
